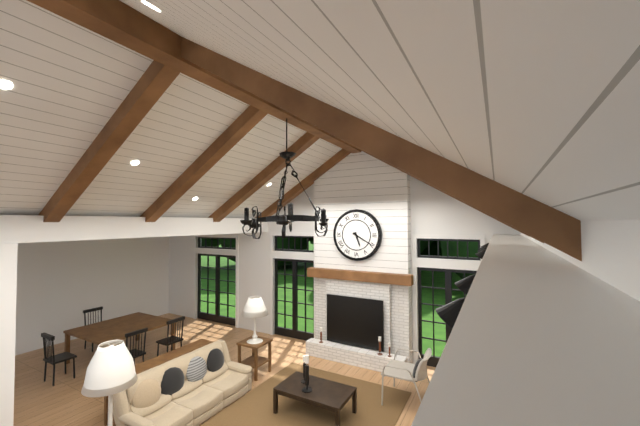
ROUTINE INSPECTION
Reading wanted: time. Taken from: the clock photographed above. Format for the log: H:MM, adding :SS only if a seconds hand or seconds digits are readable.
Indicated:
5:20
